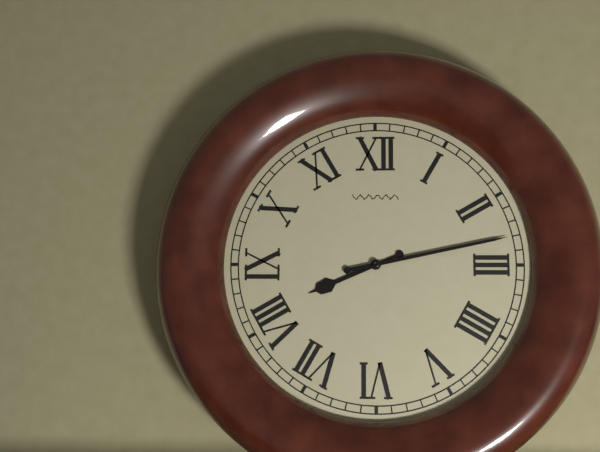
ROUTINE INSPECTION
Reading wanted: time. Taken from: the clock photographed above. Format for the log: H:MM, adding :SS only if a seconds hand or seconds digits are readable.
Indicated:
8:13
